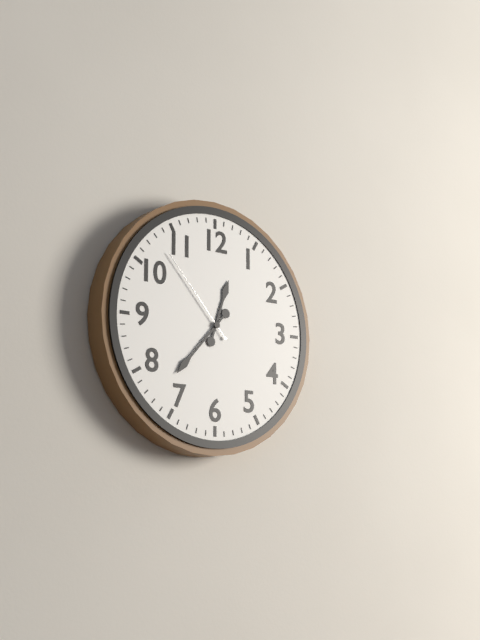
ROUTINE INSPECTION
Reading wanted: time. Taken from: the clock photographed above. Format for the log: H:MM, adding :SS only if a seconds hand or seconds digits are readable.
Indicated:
12:37:53
